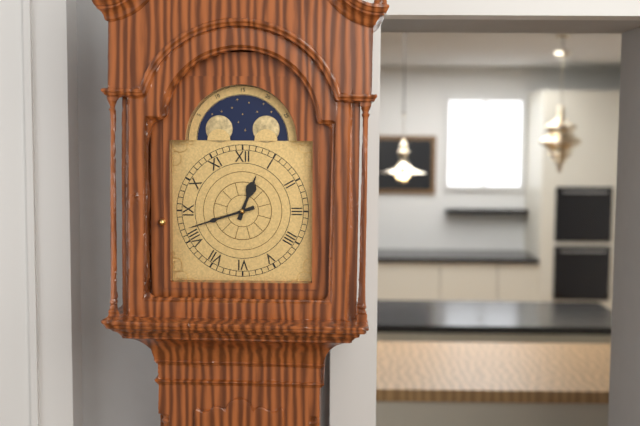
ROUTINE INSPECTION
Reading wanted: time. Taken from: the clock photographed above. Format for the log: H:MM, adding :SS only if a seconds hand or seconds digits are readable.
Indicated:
12:42
